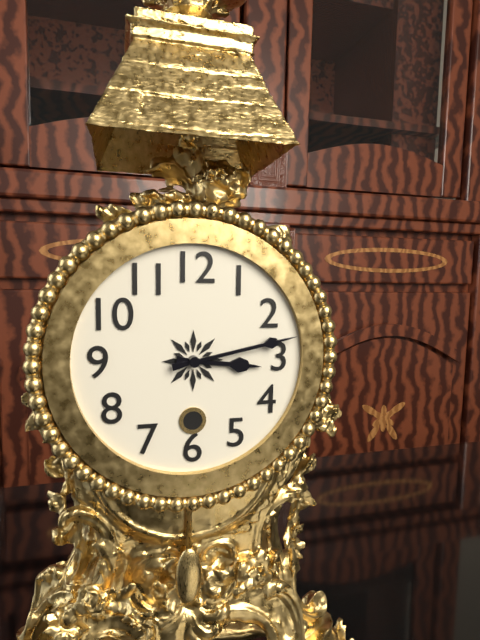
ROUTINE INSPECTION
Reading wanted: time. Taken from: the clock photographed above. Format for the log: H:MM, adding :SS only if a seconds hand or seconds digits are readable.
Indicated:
3:13
